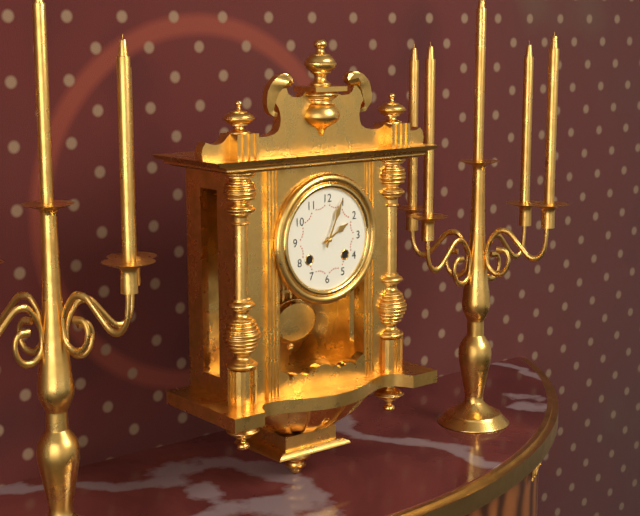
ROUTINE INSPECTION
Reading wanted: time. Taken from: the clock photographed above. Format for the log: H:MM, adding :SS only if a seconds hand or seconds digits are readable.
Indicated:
2:04
